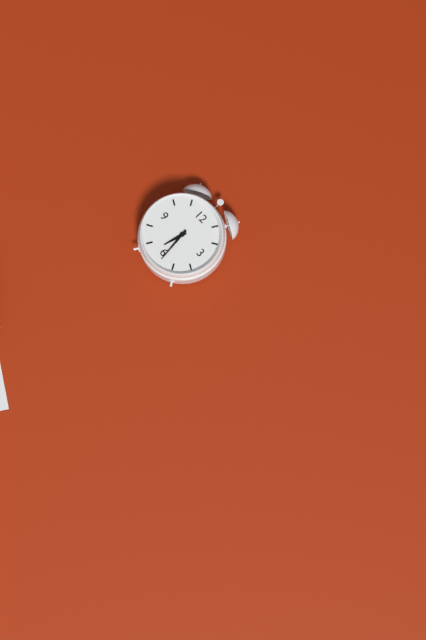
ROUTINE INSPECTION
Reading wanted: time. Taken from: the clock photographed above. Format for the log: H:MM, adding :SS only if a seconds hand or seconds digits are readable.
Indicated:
6:29
